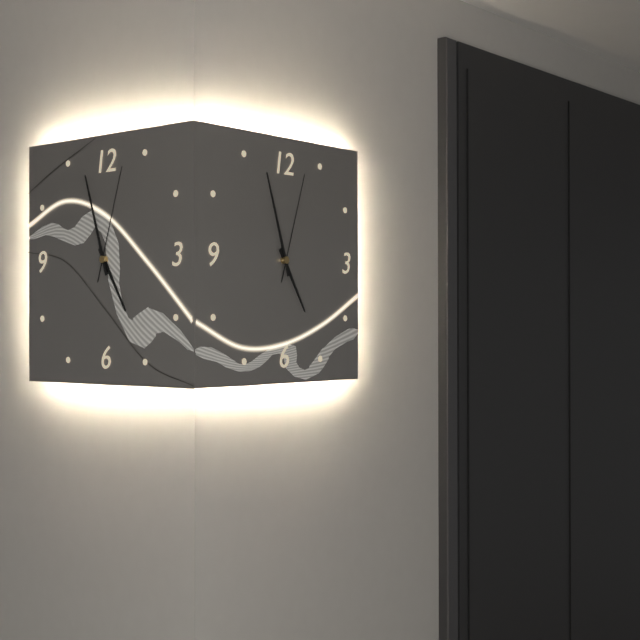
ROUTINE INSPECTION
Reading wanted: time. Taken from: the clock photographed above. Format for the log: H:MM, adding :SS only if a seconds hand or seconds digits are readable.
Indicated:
4:57:03
